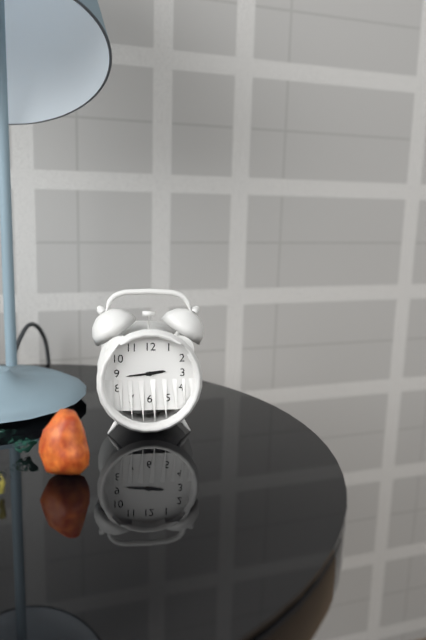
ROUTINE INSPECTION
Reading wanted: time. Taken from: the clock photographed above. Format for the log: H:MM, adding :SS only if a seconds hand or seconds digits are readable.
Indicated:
2:44
